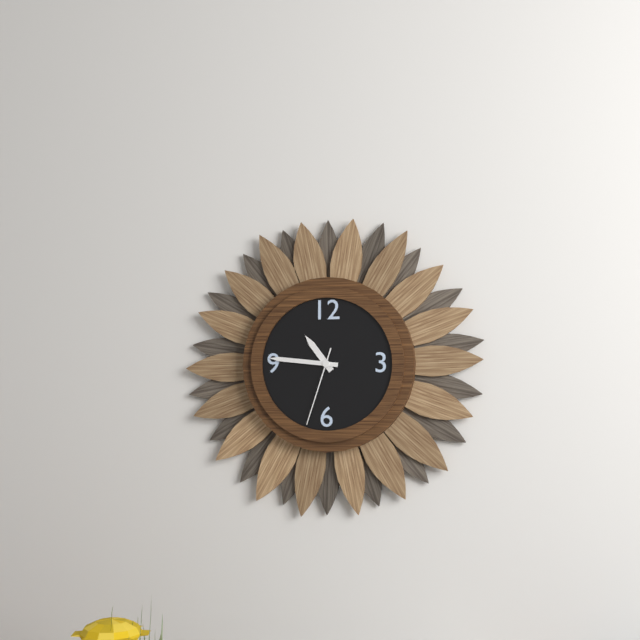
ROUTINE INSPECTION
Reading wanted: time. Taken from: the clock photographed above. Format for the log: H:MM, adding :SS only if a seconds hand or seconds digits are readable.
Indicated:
10:46:33
